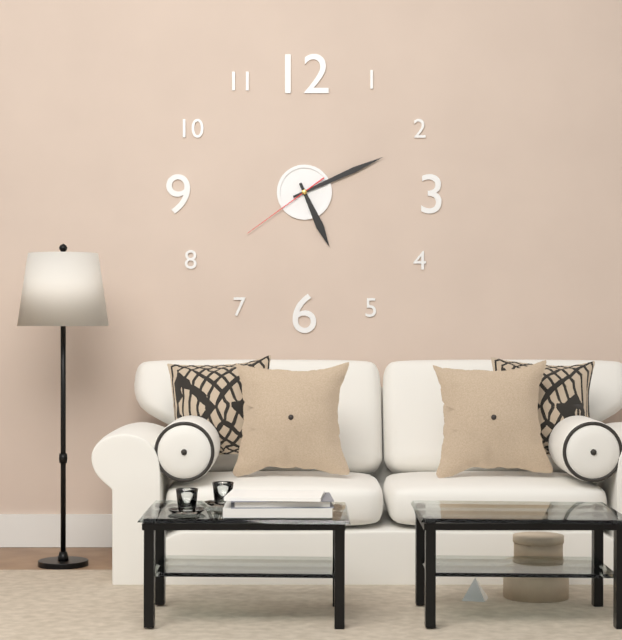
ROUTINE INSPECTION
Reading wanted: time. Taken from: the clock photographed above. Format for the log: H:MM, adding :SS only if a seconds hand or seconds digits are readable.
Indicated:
5:11:39
